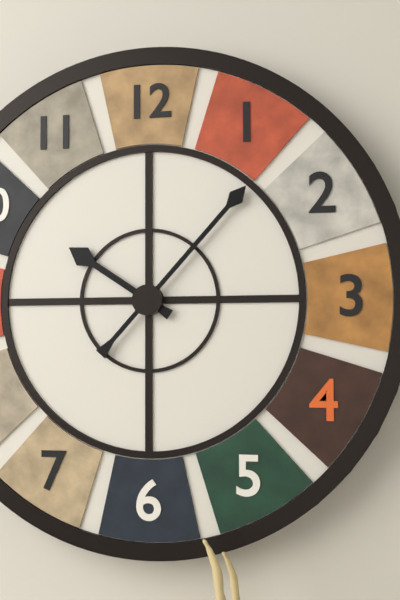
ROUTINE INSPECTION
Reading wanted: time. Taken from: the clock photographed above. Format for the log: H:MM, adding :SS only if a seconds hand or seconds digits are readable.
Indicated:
10:07
